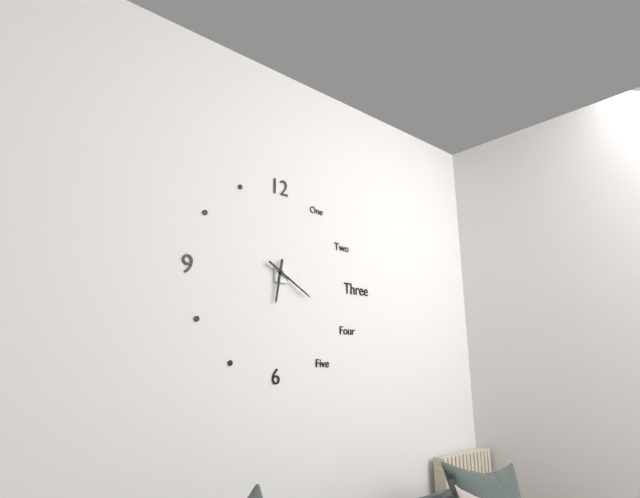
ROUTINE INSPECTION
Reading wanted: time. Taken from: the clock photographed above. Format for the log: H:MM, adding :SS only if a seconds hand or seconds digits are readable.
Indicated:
6:20
